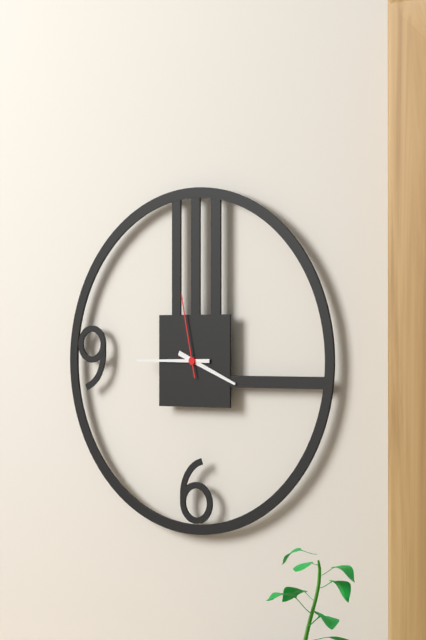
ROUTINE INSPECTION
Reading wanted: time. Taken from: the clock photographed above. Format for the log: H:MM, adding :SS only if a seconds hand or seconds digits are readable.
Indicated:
3:45:58
